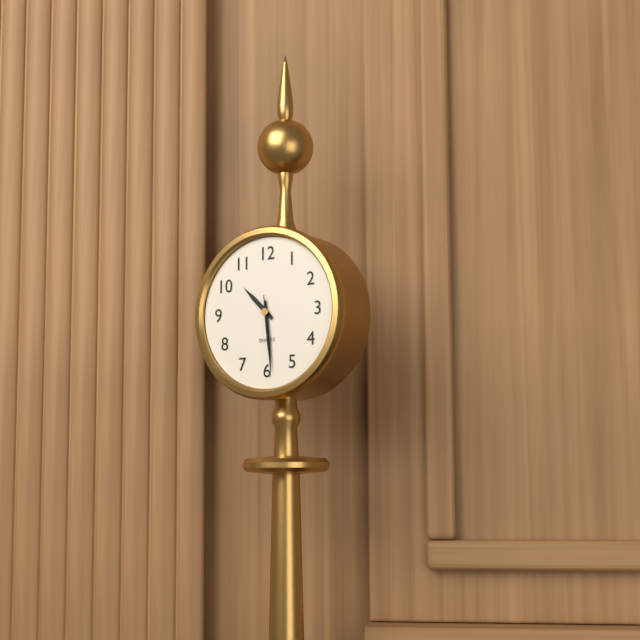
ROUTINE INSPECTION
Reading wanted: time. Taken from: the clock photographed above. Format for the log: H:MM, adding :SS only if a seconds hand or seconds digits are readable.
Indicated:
10:29:29
